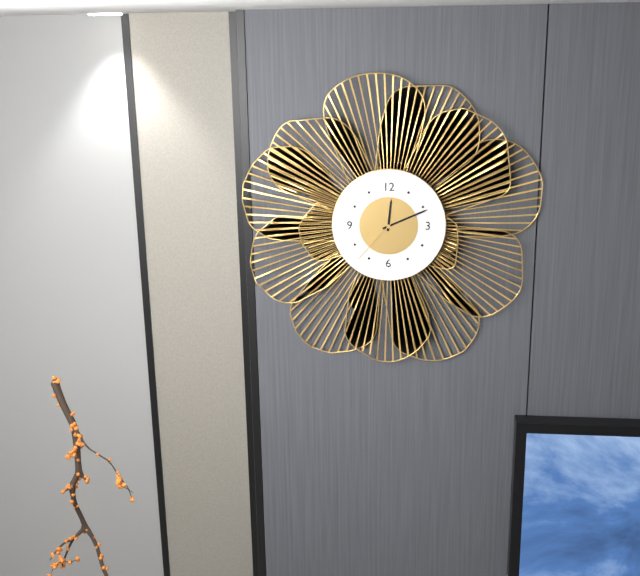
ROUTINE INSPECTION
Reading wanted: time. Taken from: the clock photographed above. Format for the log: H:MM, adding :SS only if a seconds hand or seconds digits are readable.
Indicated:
12:11:37
